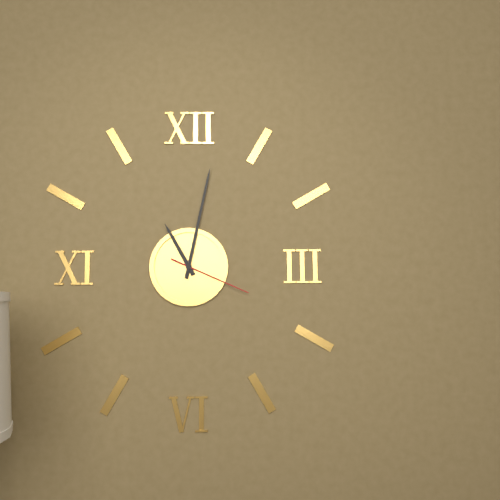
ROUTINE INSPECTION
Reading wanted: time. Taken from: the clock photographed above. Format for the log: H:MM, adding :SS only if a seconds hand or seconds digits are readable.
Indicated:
11:02:19
